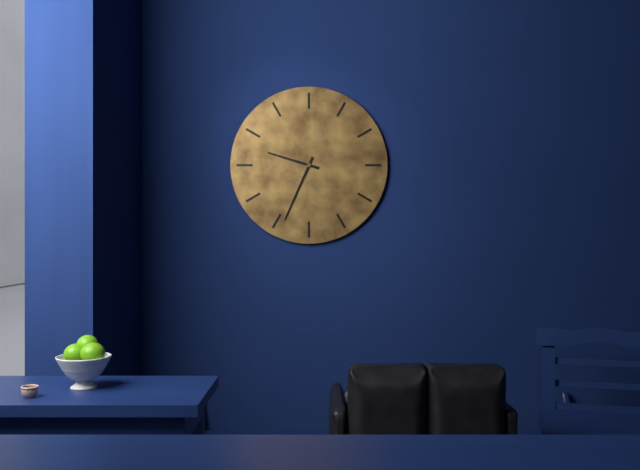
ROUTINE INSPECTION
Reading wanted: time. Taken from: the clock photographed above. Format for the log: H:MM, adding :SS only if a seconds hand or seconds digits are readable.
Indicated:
9:34
